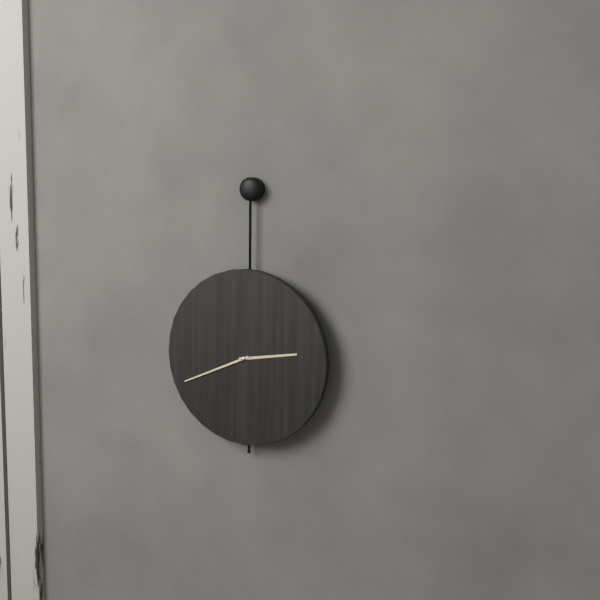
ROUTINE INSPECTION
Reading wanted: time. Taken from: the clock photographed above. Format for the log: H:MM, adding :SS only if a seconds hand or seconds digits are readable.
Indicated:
2:41
